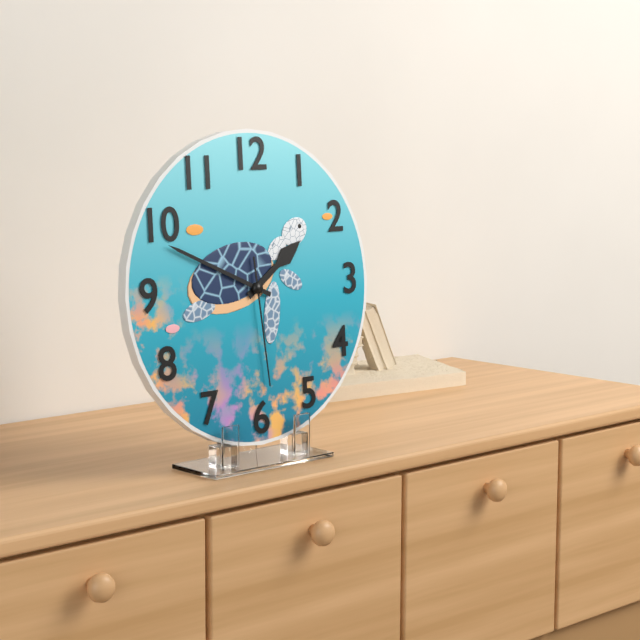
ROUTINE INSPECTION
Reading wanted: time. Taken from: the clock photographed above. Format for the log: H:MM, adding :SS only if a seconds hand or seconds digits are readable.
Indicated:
1:49:29
